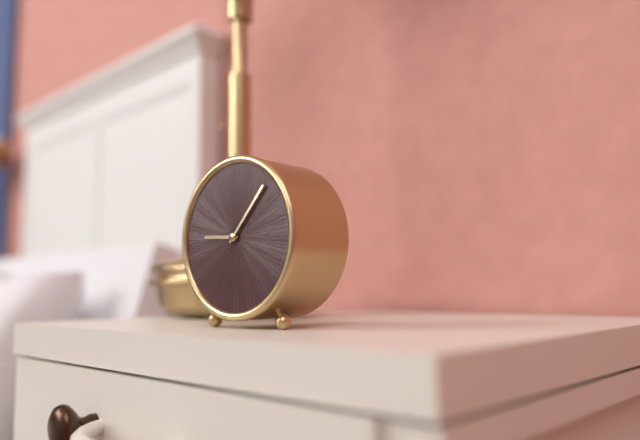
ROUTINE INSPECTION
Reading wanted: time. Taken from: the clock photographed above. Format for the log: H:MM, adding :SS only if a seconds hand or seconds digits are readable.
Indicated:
9:07
